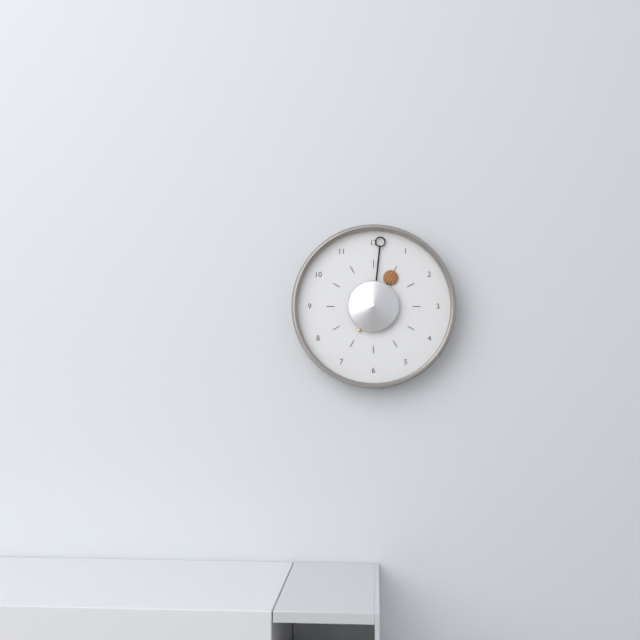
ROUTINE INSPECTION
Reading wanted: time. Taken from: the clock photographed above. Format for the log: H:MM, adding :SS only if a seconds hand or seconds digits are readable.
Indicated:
1:01
